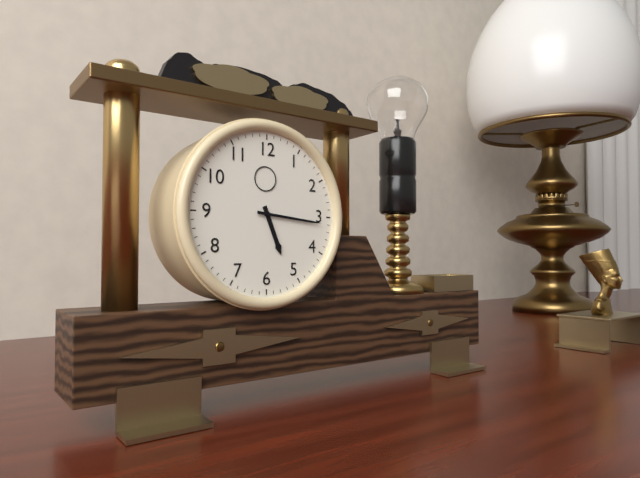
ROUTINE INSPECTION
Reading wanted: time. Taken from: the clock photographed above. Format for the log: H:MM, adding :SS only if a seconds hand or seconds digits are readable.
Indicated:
5:16
